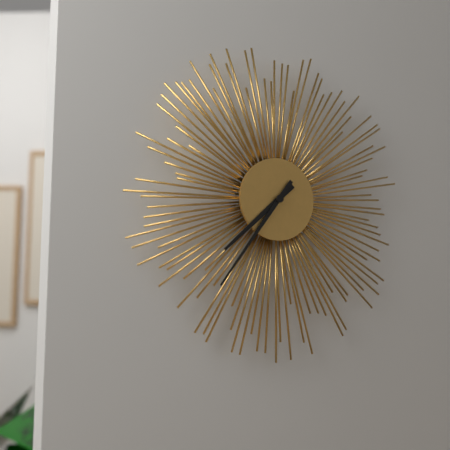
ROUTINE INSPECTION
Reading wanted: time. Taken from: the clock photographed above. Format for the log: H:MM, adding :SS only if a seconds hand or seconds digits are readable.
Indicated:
7:36
